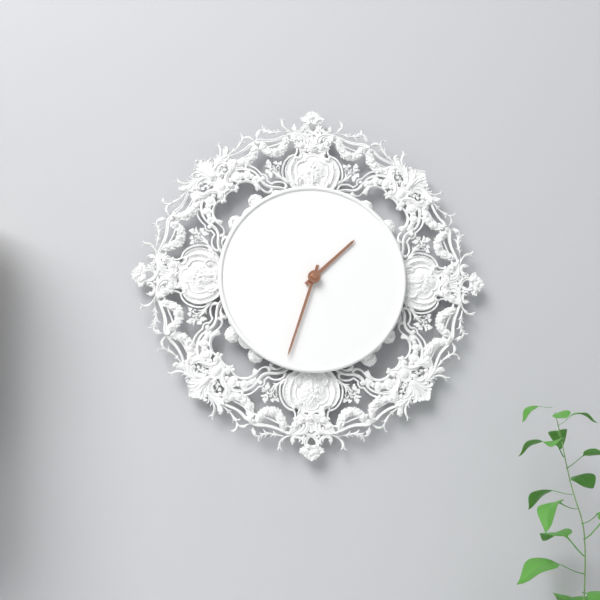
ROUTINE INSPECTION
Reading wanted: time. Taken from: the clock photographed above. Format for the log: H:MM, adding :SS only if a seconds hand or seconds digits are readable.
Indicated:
1:33
